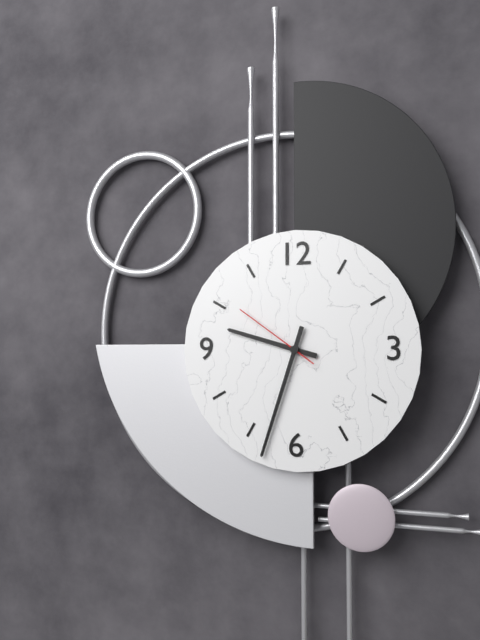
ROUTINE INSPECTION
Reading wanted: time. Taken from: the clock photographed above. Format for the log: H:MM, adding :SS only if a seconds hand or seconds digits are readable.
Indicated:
9:33:51
